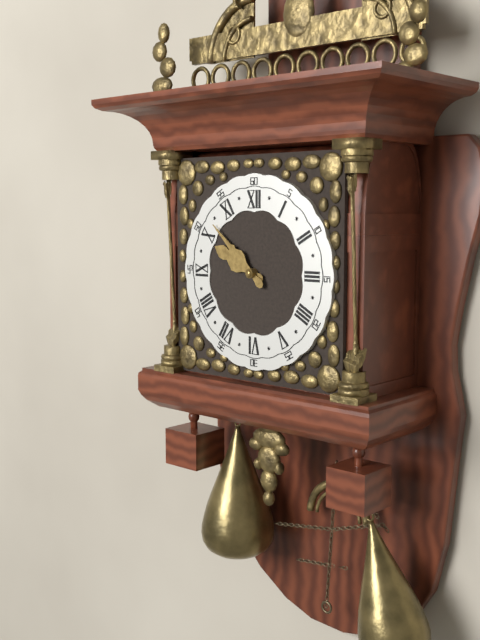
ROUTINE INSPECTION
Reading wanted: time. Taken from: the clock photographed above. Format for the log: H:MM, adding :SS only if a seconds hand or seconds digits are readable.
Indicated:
9:52
